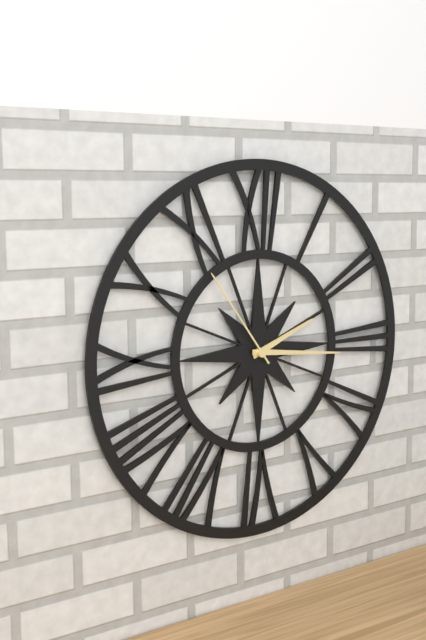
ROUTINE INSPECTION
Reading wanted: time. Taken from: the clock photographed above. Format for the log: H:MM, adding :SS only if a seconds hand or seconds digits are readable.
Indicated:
2:16:54
